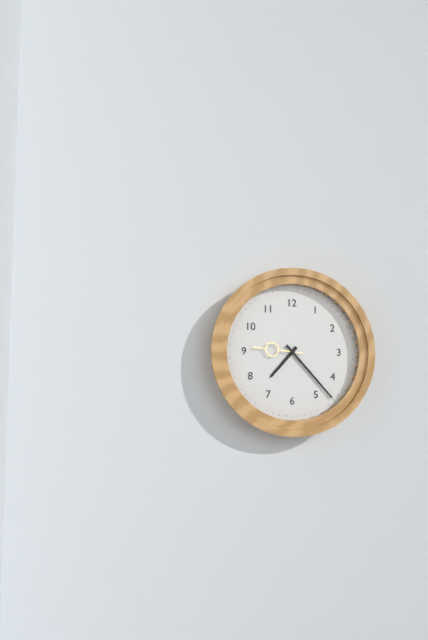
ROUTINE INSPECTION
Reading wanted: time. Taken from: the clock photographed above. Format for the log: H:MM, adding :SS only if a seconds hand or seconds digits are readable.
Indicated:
7:23:46
